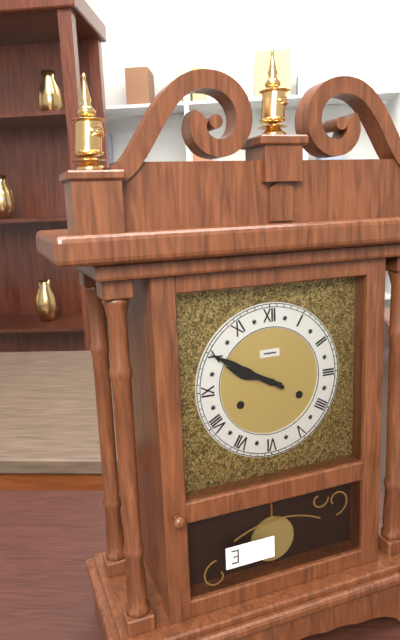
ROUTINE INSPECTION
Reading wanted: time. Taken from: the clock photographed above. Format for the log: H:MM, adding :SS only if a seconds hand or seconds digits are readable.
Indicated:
9:50
